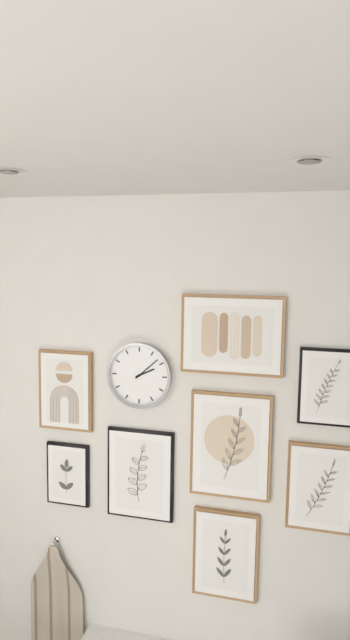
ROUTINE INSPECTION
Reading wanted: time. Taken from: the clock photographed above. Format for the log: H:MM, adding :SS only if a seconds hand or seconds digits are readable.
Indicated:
2:08
